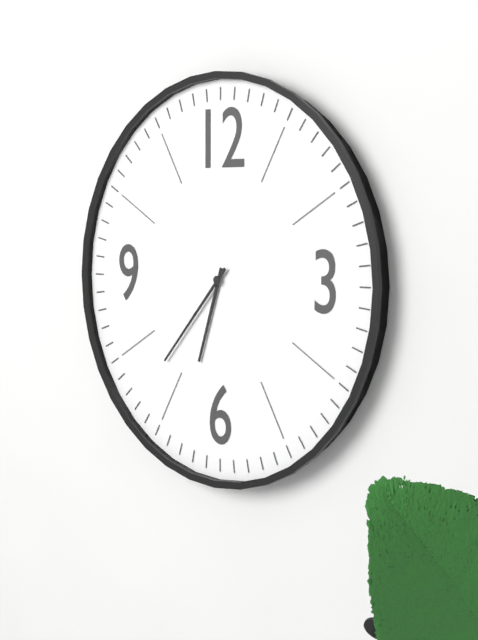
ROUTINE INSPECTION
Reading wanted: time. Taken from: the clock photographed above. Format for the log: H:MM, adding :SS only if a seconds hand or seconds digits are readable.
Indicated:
6:37
